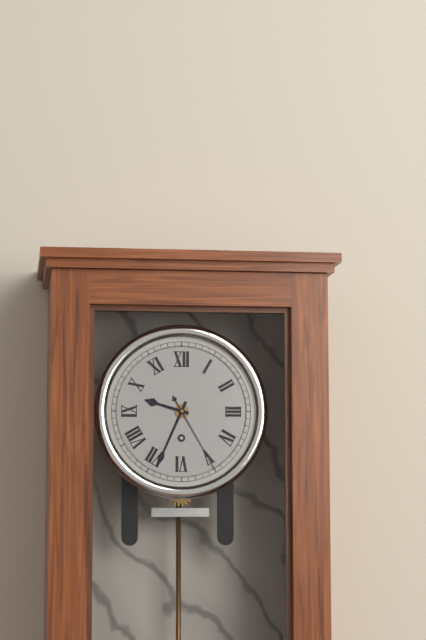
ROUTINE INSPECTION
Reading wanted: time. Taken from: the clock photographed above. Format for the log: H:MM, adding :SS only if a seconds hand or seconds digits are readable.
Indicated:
9:34:25
